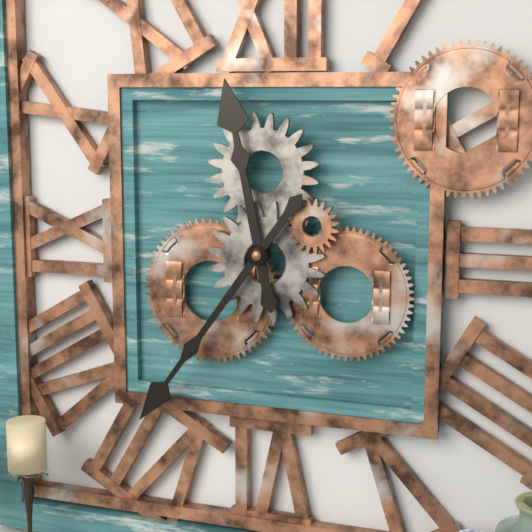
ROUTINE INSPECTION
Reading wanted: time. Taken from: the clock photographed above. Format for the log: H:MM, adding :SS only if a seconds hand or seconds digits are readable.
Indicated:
11:36
